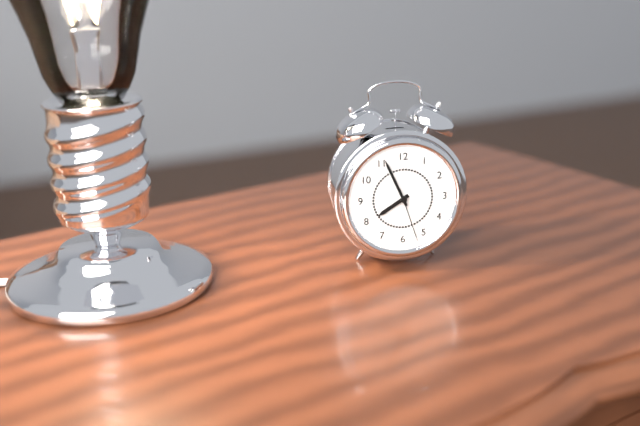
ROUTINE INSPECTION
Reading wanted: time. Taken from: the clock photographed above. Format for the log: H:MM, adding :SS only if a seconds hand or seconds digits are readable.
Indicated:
7:56:27
